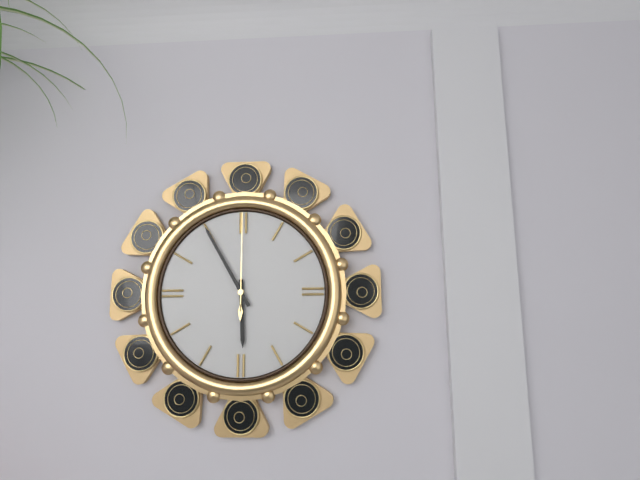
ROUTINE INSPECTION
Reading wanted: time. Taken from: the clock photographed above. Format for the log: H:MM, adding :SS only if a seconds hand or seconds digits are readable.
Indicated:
5:55:00
